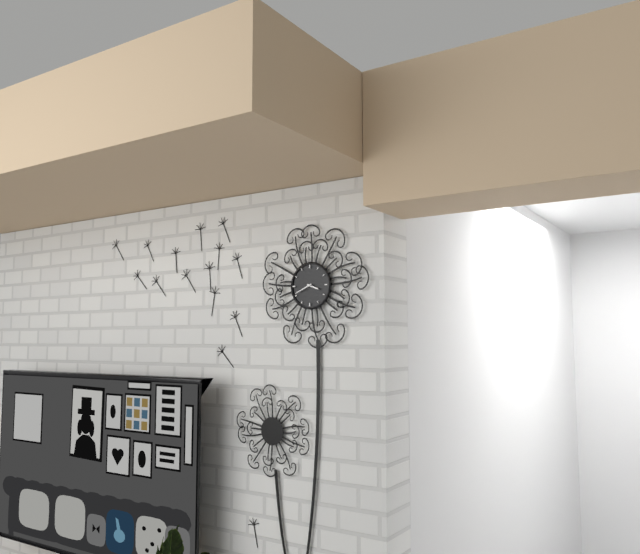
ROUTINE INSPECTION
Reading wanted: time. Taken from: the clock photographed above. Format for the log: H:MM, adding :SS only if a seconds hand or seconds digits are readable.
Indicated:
3:41
